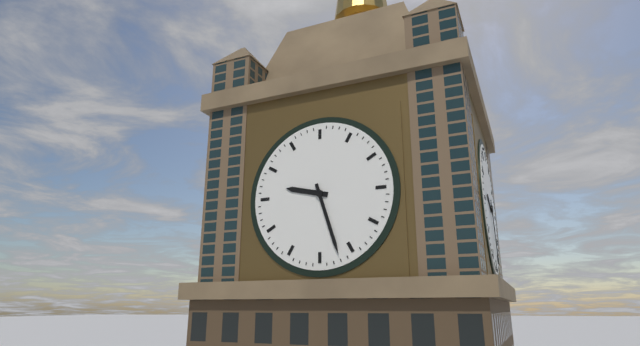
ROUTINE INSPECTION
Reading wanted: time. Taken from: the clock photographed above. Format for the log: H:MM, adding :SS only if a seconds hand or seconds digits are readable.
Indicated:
9:27
